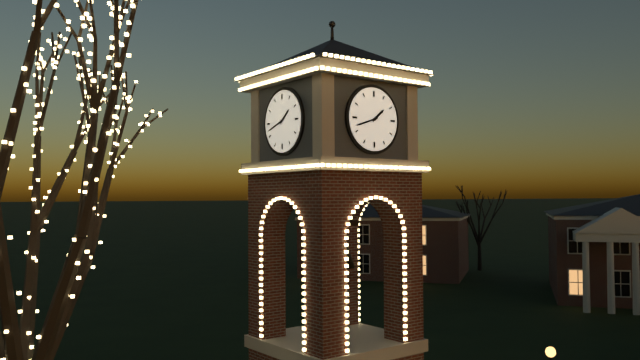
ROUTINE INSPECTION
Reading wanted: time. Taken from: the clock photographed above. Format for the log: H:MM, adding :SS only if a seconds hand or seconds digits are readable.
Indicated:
1:42
